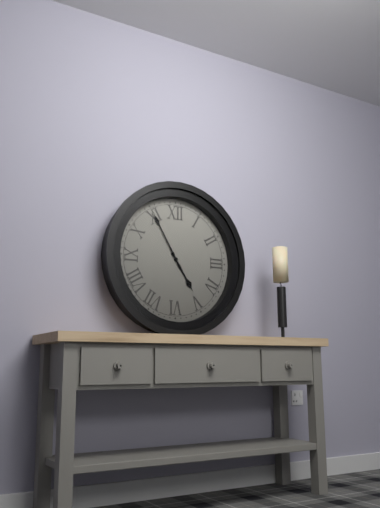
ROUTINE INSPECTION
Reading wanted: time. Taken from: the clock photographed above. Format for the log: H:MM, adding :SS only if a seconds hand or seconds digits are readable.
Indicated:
4:55
